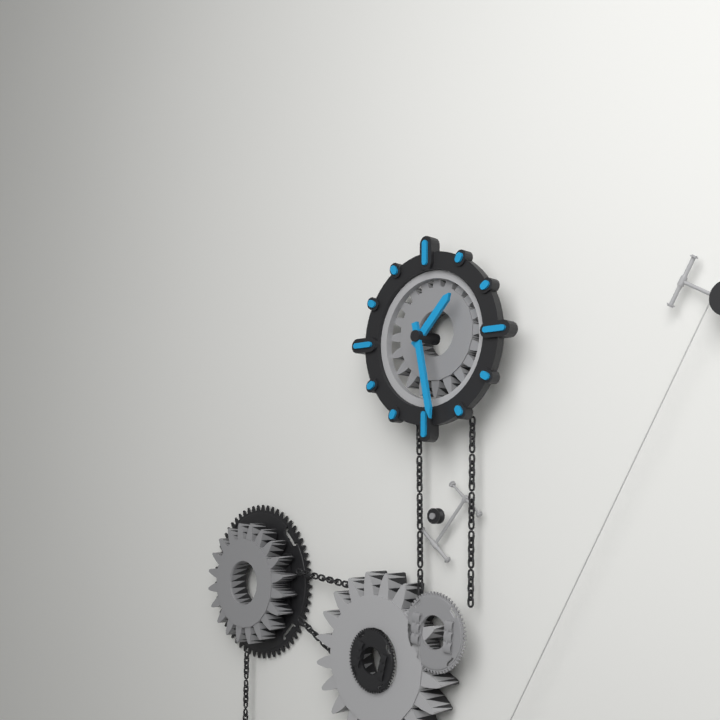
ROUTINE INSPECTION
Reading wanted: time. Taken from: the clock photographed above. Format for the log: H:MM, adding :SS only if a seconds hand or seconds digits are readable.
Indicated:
1:28
